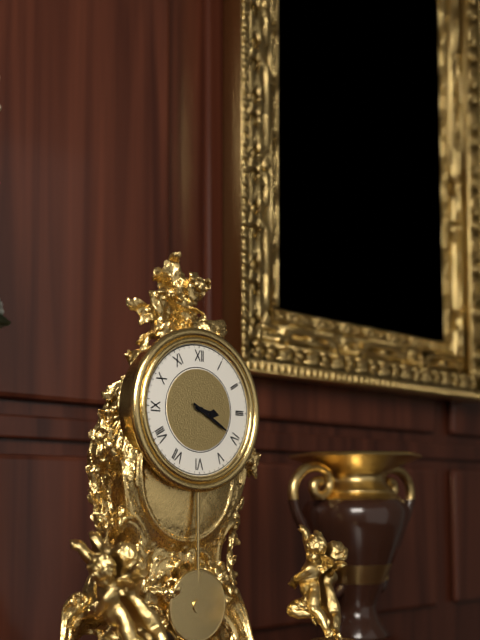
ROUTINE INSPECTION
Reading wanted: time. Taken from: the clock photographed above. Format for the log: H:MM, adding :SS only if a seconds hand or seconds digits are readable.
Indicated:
3:20
